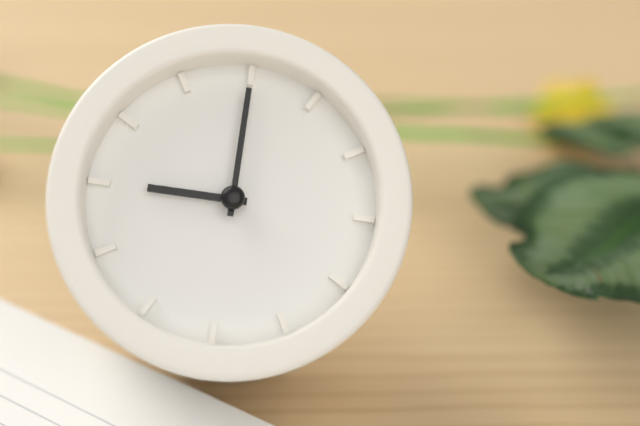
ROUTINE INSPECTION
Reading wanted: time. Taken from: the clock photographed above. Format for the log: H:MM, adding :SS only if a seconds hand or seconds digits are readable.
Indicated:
9:00
